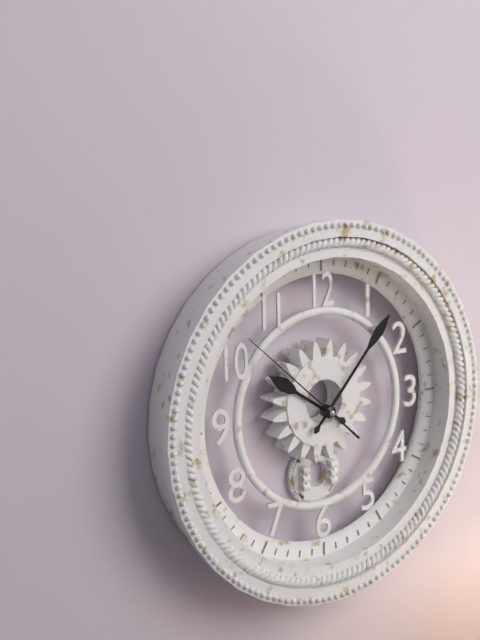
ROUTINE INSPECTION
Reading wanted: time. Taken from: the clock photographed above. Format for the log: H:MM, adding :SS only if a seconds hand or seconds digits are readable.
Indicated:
10:07:52
